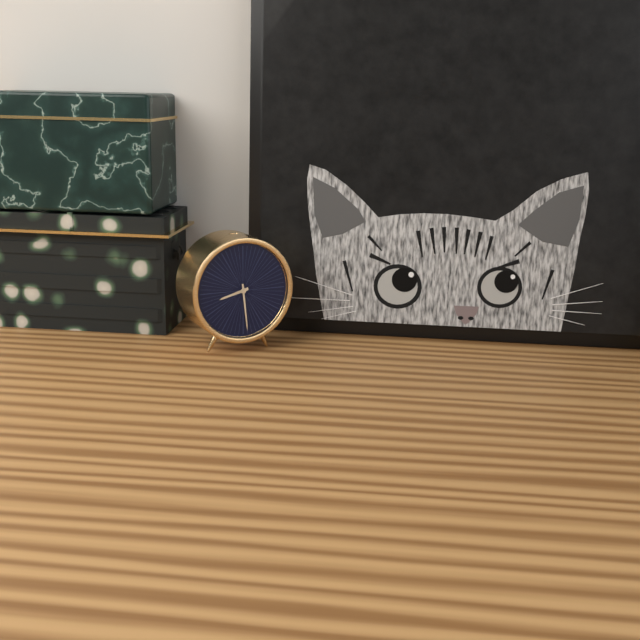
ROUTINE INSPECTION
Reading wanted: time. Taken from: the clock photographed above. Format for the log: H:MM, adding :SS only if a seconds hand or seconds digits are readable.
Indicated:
8:29
